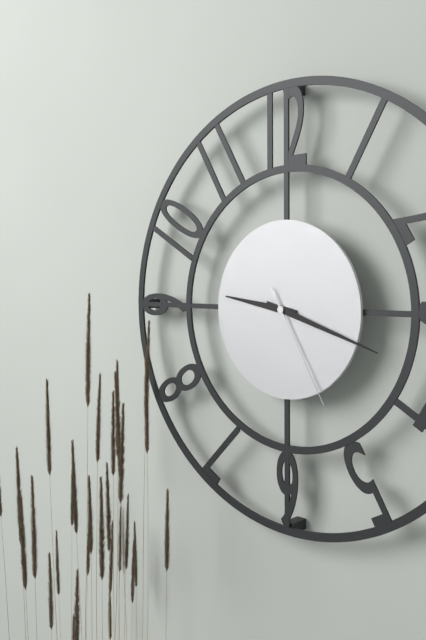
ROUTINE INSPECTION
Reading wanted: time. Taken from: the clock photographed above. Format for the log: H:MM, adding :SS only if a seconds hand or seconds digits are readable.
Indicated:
9:18:25
